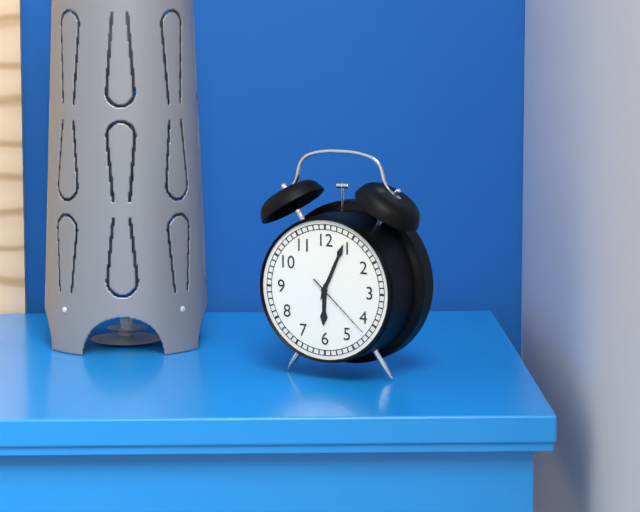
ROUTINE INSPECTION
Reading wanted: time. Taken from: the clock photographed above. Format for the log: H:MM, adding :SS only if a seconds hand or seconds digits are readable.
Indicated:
6:04:22
